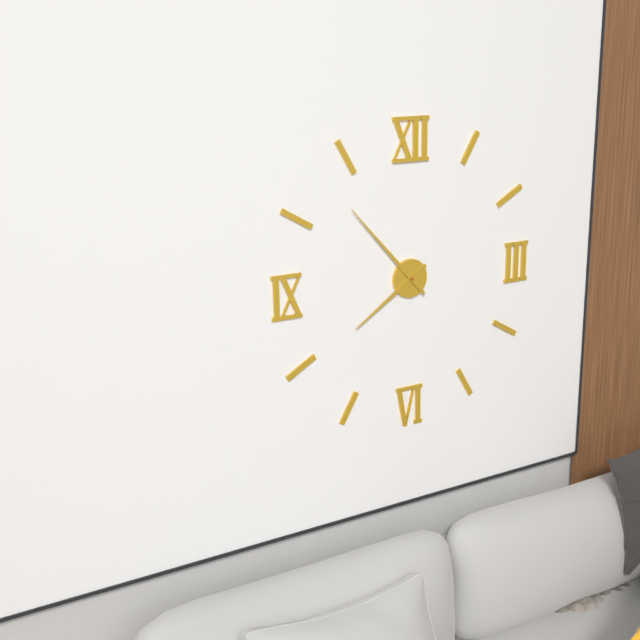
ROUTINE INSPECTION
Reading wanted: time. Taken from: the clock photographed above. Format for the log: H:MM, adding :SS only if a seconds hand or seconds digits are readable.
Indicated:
7:53
